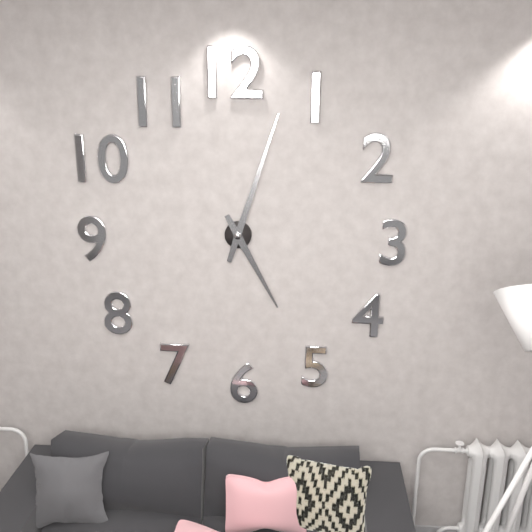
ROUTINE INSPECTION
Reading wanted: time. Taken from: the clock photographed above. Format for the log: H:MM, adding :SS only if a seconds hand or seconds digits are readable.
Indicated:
5:03
